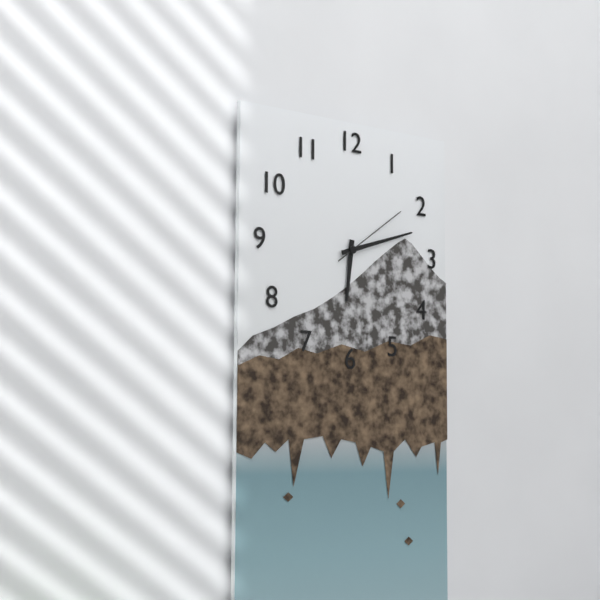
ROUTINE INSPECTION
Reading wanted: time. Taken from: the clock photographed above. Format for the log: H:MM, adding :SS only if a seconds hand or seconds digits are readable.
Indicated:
6:12:09
